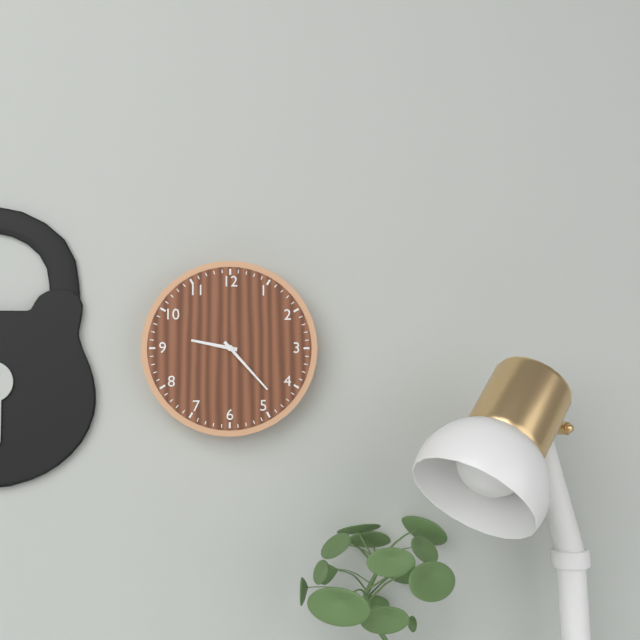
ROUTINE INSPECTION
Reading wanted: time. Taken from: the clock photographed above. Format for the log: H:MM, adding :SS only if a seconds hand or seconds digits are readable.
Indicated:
9:23
